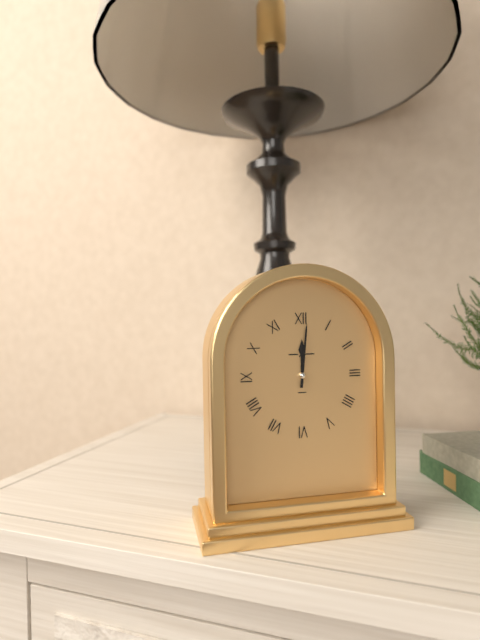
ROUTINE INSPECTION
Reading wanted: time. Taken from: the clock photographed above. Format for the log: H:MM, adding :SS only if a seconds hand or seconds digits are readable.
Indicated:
12:01
